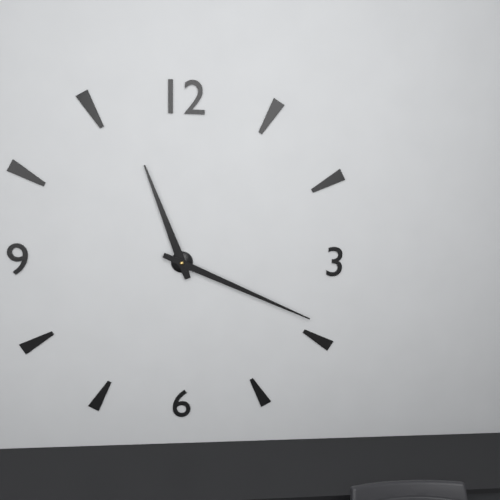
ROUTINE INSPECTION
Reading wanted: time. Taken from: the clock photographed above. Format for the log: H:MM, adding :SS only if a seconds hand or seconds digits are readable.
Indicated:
11:19
